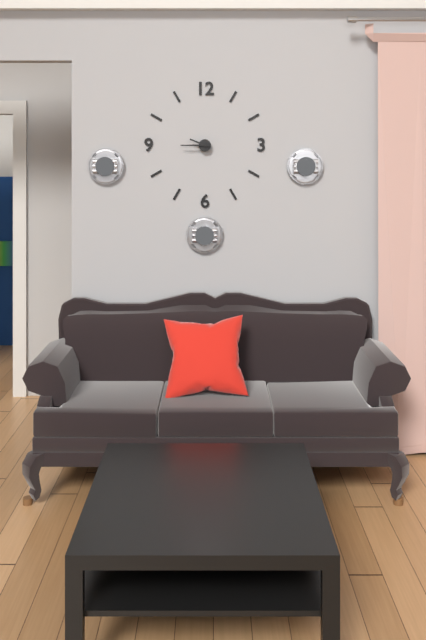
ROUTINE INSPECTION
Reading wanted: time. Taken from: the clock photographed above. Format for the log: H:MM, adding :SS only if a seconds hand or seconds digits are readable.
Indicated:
9:45
